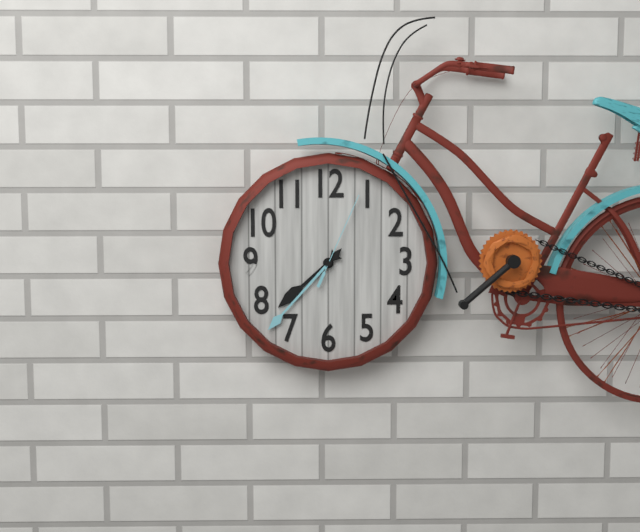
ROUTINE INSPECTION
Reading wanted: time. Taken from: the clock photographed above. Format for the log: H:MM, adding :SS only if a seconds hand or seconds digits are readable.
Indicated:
7:37:04
